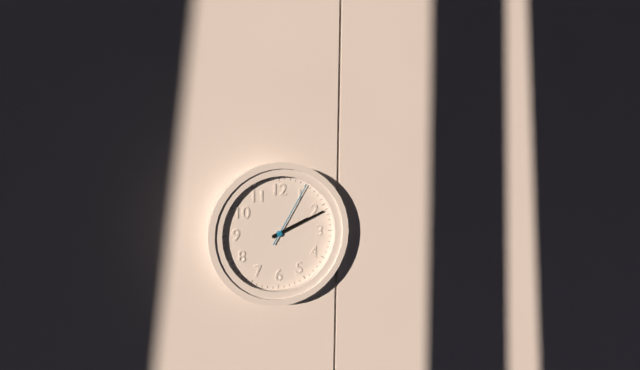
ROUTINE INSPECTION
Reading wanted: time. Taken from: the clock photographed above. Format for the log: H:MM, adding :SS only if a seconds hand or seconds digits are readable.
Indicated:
2:11:05
